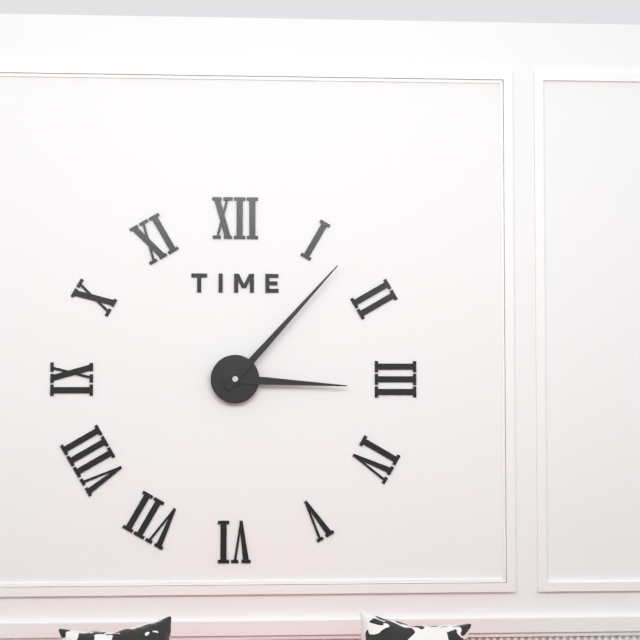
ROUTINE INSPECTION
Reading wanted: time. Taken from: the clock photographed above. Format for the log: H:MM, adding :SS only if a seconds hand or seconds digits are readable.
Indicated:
3:07
